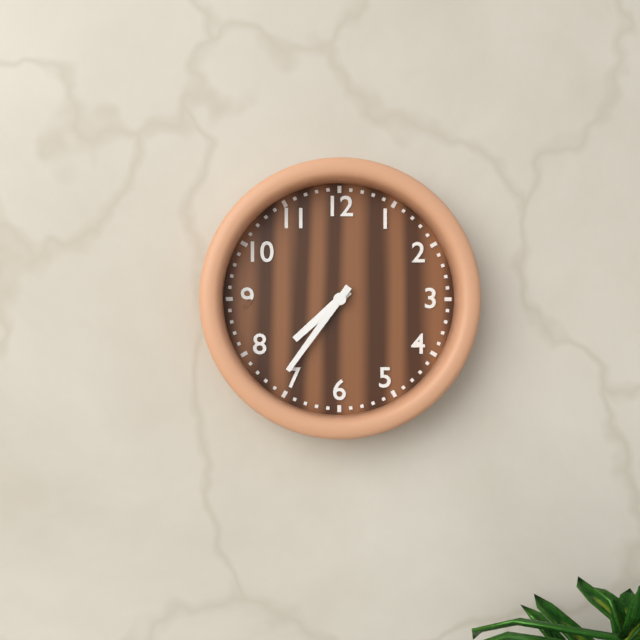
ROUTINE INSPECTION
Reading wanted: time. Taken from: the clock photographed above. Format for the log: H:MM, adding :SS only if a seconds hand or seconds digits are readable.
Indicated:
7:36
